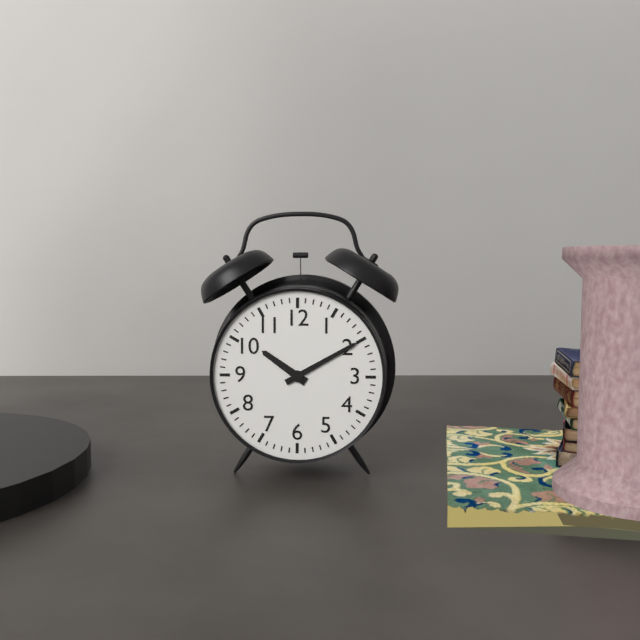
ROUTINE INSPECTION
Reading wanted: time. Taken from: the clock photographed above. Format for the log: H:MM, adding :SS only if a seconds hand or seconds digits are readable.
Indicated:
10:10
